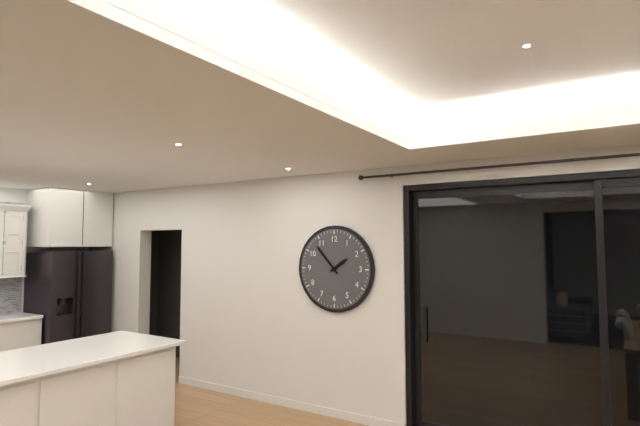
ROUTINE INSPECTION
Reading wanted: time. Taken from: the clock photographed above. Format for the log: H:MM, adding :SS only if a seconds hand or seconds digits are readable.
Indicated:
1:53
